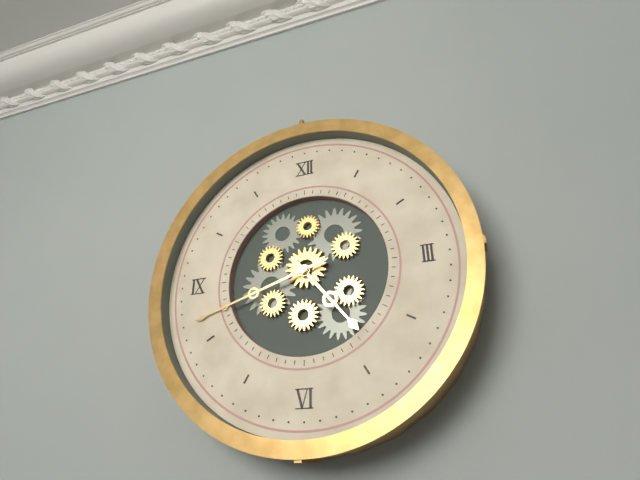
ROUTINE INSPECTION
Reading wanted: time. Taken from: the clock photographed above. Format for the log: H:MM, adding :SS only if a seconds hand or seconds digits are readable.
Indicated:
4:42
